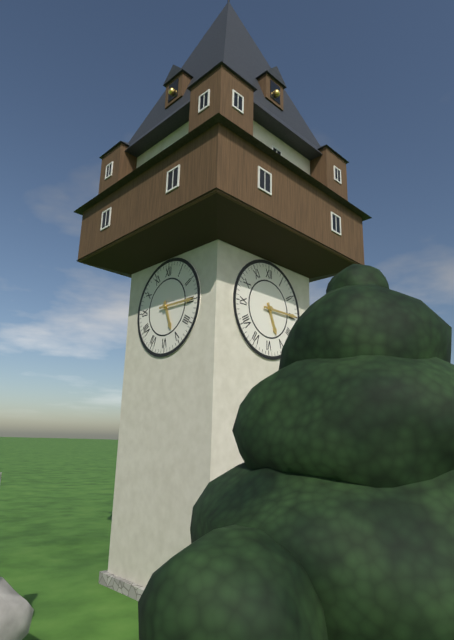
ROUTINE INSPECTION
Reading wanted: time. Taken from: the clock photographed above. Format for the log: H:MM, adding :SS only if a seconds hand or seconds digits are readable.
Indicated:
5:15
